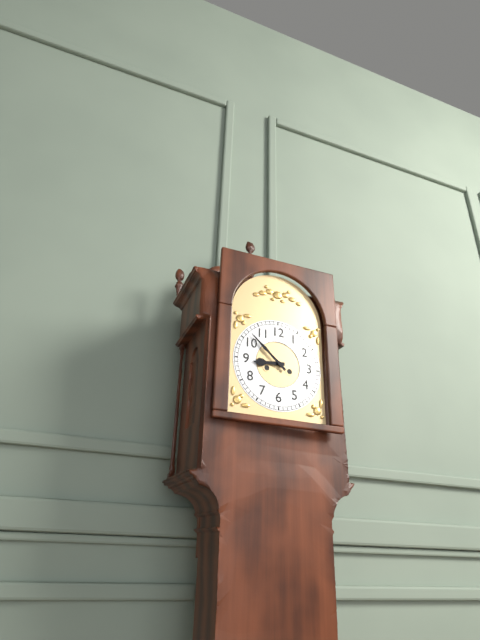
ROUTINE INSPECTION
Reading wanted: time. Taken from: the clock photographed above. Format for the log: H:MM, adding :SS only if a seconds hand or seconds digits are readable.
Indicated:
8:52
